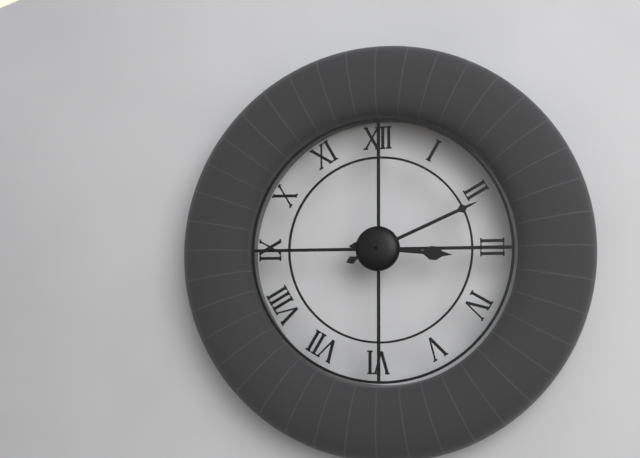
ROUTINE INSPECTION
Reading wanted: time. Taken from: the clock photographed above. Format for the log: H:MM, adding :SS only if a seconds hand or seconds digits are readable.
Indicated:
3:11
